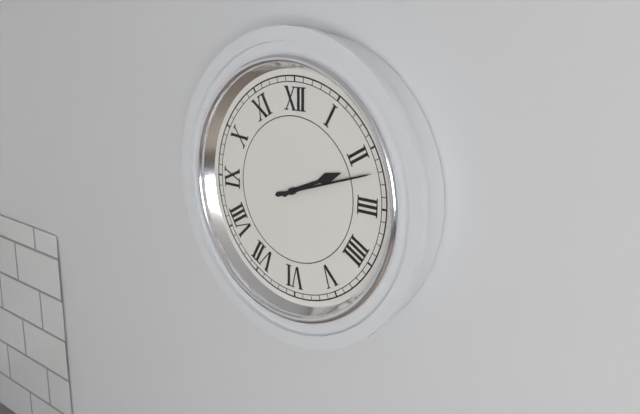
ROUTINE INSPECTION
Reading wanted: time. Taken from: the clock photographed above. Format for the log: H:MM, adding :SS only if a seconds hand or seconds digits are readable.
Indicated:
2:12
